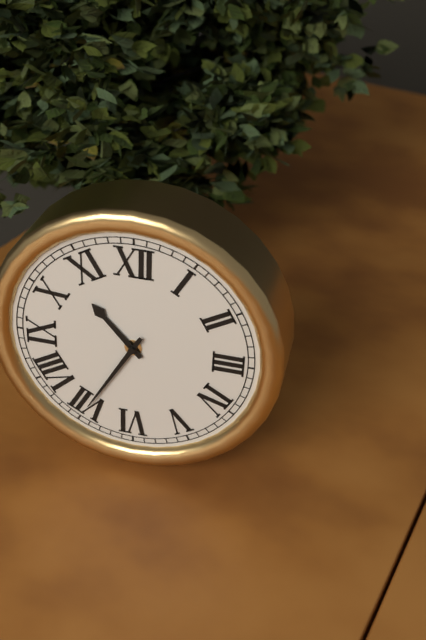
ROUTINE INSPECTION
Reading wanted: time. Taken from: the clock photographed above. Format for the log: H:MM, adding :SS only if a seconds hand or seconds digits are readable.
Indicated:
10:35
